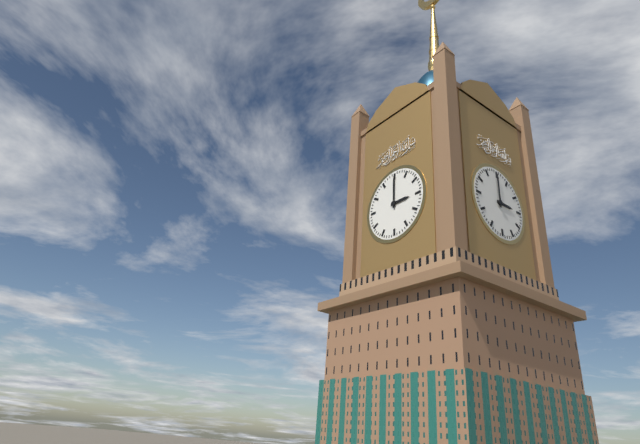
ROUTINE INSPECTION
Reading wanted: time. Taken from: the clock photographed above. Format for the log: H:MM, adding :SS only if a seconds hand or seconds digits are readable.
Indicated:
3:00
